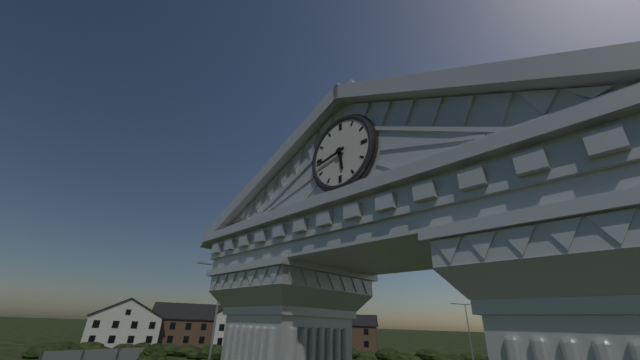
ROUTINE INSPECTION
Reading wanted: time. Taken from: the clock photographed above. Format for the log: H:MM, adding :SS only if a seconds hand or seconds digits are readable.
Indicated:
5:43
